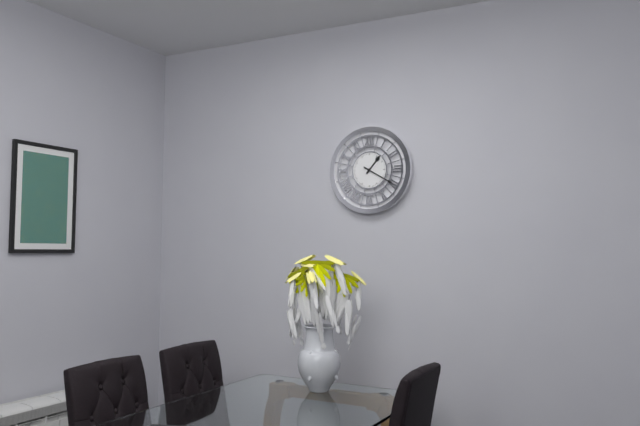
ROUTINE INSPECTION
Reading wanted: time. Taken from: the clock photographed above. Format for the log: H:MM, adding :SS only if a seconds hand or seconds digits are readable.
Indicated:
1:20
